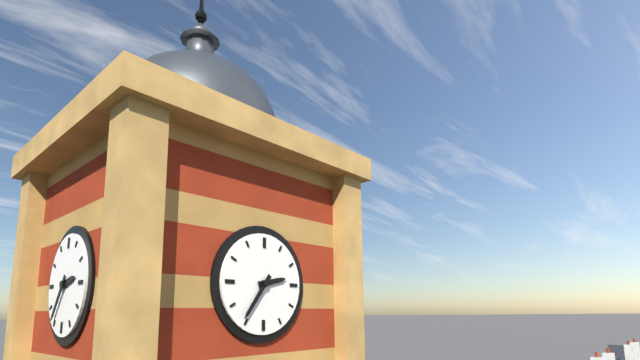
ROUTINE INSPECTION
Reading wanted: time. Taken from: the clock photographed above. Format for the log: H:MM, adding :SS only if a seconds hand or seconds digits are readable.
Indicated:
2:36
